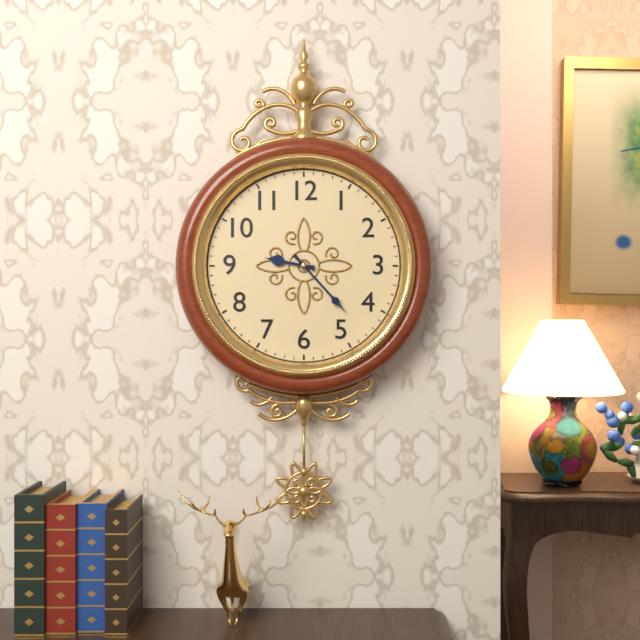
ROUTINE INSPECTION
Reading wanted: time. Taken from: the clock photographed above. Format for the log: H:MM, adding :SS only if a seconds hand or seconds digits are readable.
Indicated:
9:23
